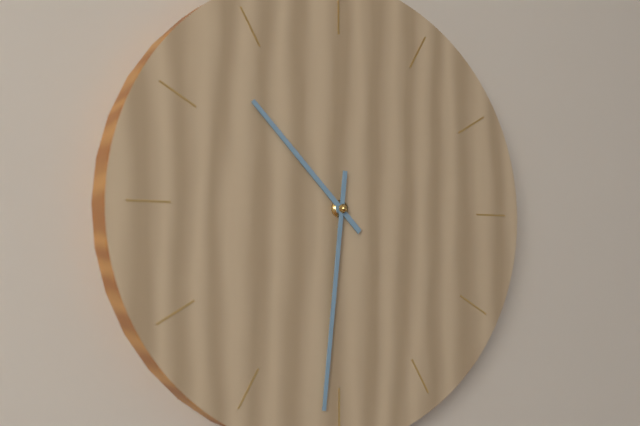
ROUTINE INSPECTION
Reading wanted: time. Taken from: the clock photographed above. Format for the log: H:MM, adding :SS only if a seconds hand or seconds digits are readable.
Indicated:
10:31
